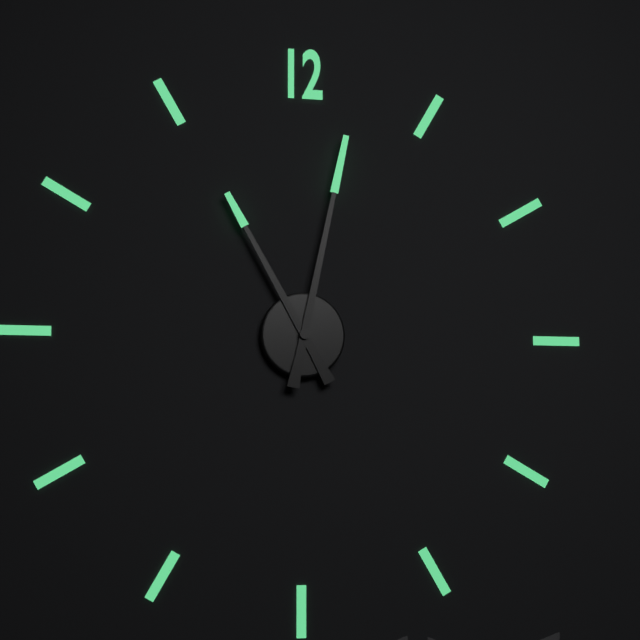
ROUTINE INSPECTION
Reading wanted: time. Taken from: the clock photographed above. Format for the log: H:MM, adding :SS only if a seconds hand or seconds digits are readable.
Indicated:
11:02
